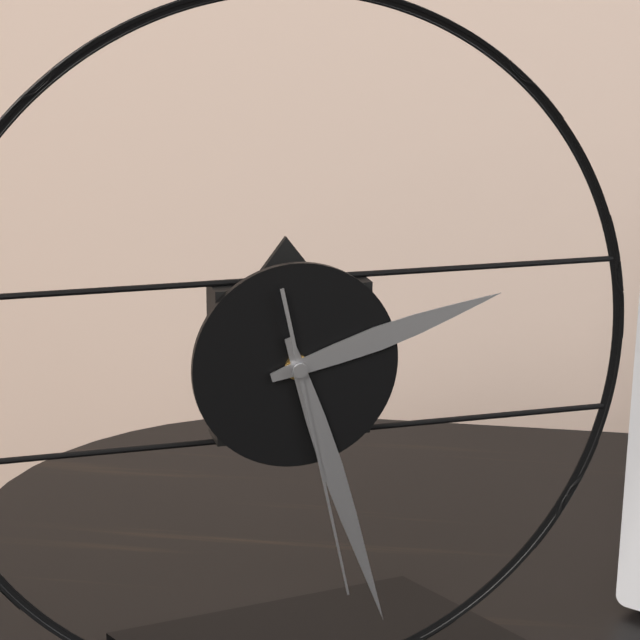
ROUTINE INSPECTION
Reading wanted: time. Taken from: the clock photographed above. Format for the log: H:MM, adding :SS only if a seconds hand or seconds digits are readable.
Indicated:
2:27:28
